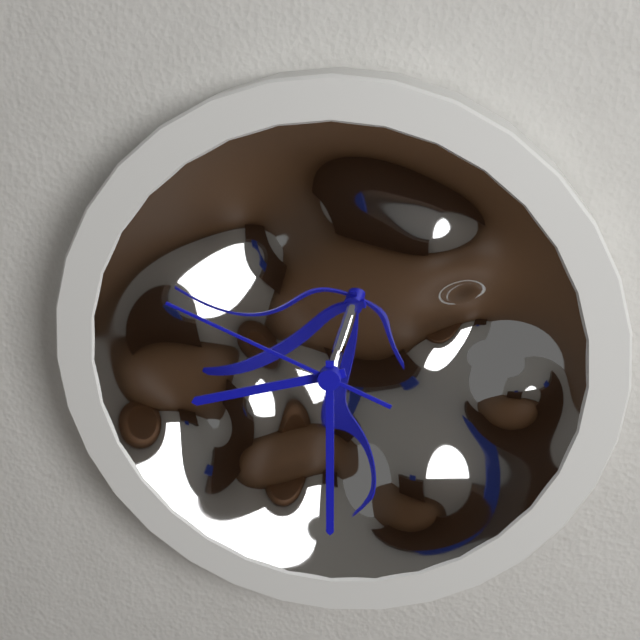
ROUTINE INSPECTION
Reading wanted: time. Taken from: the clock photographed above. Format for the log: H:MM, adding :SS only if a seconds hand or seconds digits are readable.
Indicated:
8:30:49
